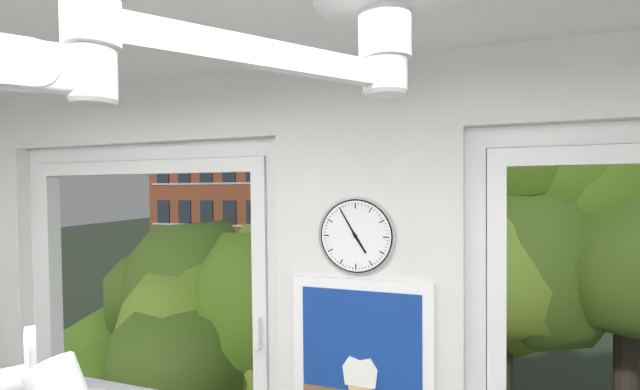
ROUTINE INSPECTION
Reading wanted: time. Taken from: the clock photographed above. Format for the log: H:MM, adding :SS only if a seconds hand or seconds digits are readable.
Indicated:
4:55
